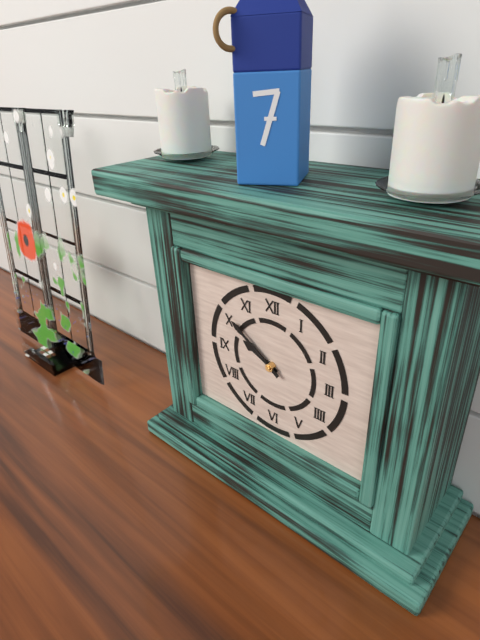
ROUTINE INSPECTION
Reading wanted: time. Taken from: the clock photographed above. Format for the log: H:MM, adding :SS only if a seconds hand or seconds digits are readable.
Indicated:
9:51
